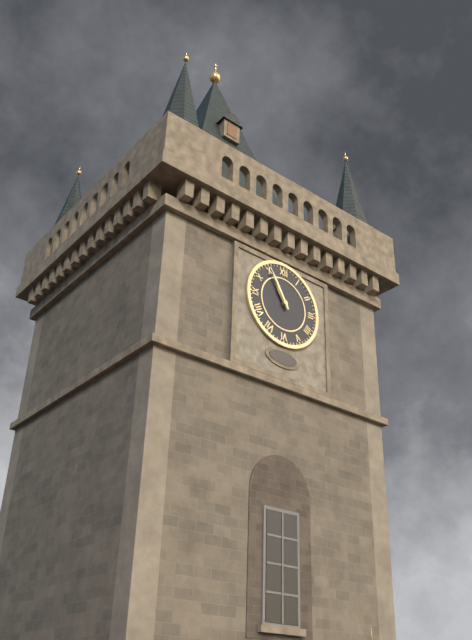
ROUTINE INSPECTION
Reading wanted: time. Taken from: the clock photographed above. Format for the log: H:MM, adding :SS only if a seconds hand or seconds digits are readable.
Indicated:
10:55
